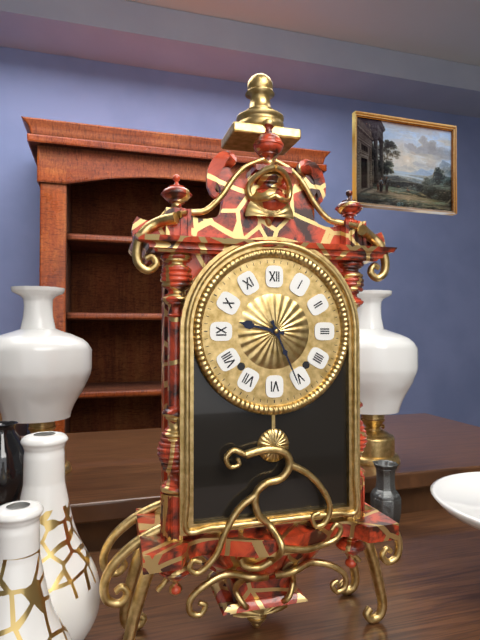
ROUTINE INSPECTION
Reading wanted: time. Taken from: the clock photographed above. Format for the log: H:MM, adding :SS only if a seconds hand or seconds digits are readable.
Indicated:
9:26
